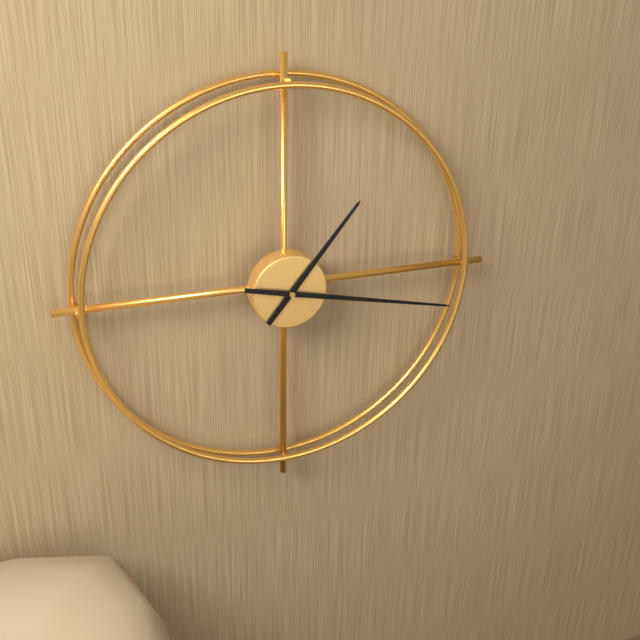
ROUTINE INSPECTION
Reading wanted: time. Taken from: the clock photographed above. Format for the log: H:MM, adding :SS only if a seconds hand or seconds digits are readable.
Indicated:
1:17
